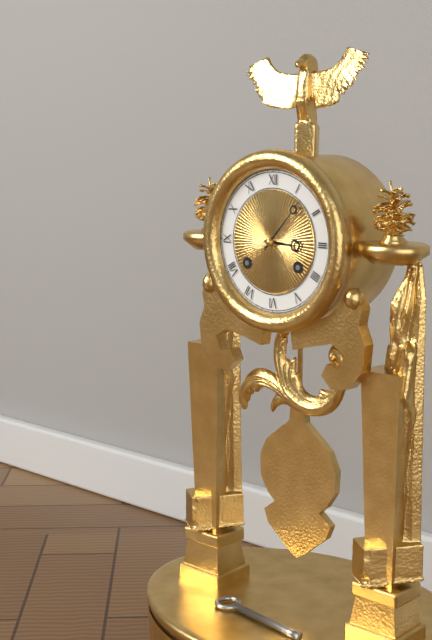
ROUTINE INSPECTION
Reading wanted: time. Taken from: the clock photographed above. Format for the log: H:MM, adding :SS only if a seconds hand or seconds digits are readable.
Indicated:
3:07
